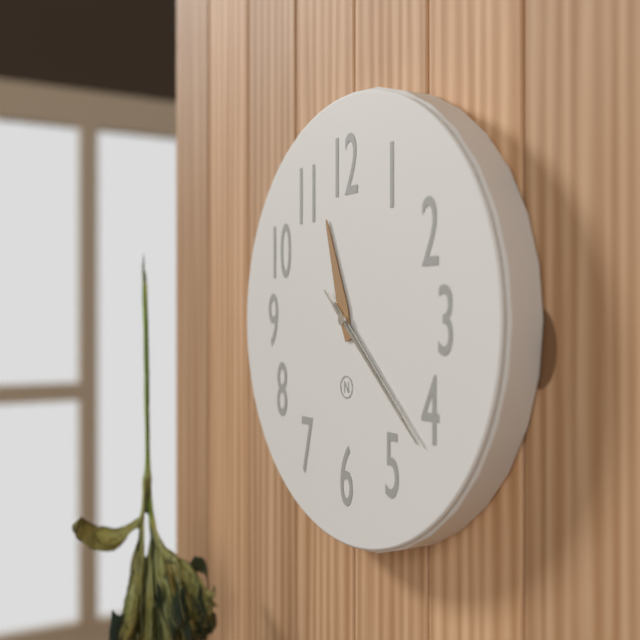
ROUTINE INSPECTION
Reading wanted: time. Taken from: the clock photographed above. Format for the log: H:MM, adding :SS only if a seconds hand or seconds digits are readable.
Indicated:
11:22:22
